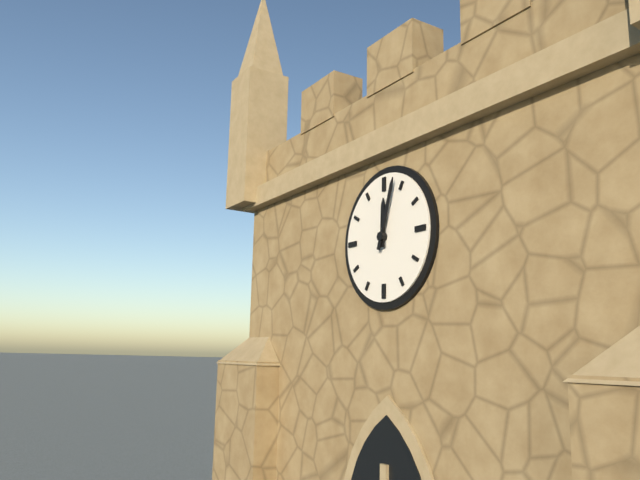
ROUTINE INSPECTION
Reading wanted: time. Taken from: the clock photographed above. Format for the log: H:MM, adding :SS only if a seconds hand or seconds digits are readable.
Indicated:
12:03
